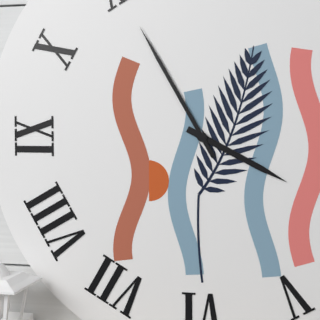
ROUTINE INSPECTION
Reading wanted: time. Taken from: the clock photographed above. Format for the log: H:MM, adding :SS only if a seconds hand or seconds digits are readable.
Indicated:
3:55
